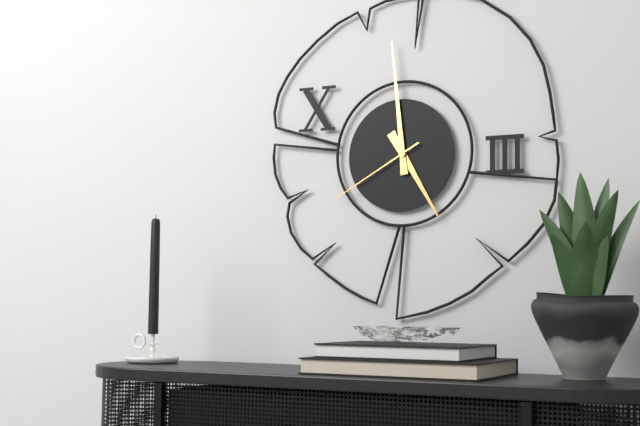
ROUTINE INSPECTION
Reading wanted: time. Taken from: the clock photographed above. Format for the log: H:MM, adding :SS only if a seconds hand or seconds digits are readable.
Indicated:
4:59:40
